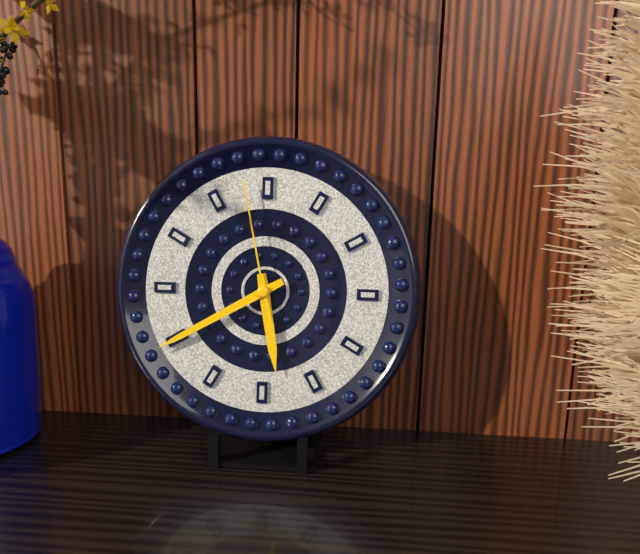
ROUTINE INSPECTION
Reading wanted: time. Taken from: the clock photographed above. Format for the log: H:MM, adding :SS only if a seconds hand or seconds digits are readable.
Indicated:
5:40:58
